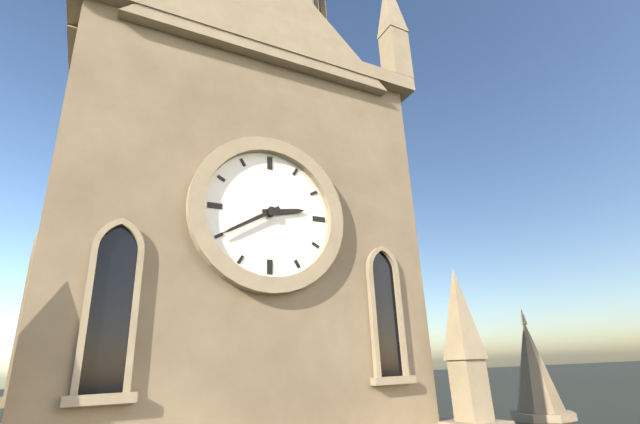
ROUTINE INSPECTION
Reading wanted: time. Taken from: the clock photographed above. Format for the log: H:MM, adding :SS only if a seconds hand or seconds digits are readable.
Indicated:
2:40
